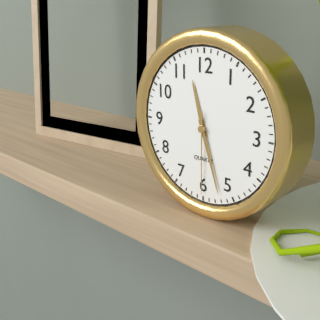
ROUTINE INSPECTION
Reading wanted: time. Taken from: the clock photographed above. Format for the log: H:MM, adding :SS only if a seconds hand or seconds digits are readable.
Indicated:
11:27:30
